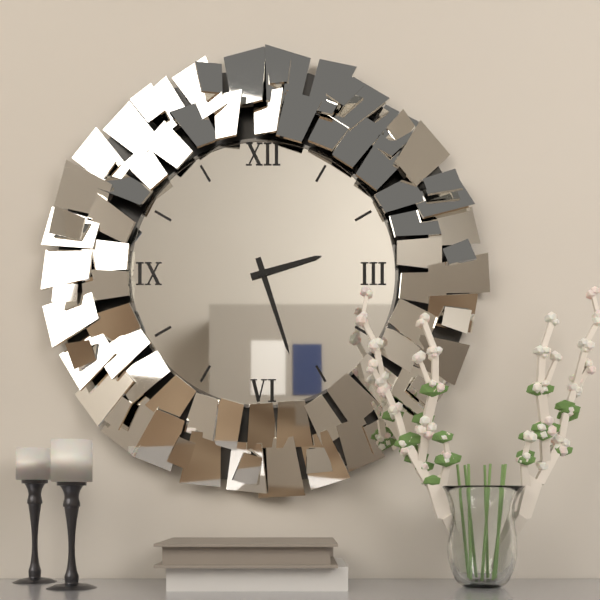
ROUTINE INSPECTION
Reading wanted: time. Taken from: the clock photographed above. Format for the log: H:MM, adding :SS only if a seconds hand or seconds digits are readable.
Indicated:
2:27
